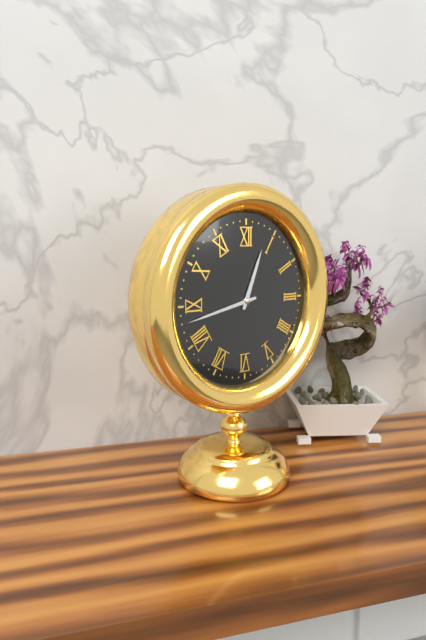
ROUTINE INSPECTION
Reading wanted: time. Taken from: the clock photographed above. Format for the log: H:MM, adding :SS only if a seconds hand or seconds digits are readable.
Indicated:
12:43
